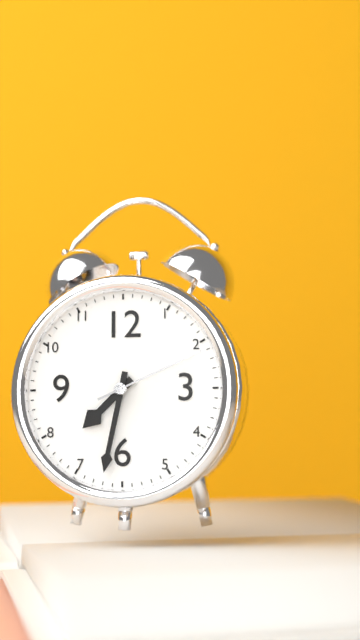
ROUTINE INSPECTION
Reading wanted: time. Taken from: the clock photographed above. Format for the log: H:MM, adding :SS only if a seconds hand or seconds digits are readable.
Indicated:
7:32:11
